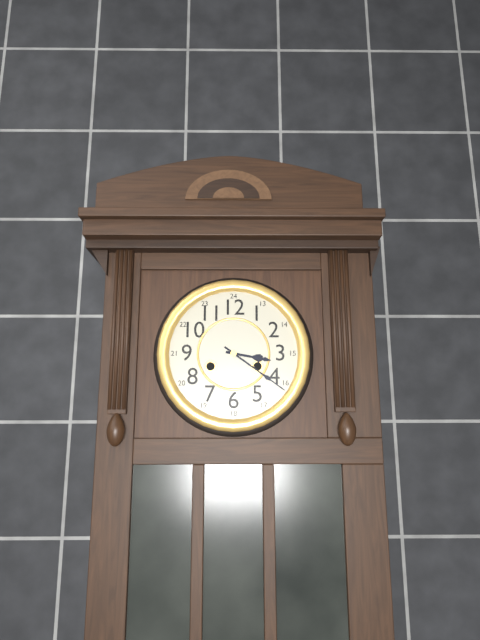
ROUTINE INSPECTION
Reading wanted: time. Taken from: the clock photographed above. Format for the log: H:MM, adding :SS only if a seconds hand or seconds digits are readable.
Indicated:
3:21
